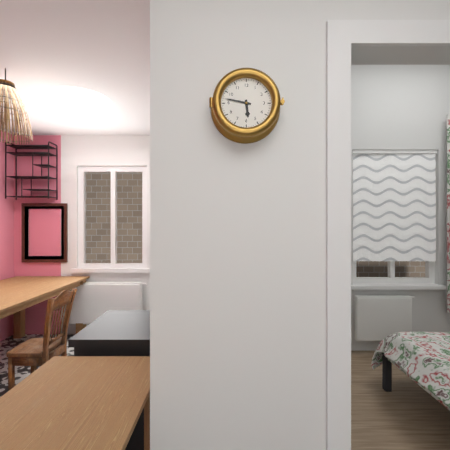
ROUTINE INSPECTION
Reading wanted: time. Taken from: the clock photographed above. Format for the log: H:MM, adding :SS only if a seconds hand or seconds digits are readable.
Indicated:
5:47
